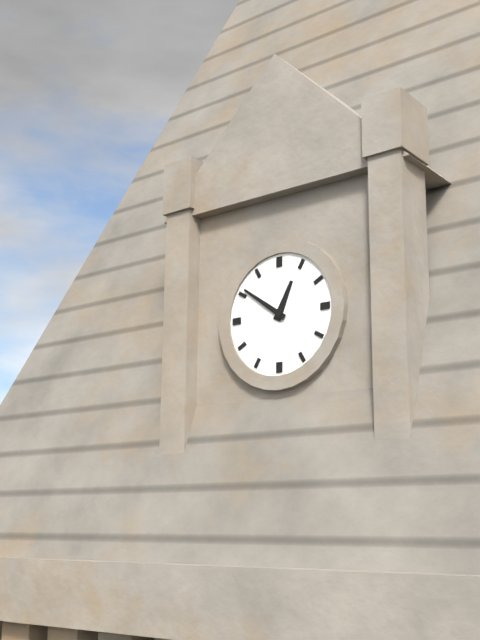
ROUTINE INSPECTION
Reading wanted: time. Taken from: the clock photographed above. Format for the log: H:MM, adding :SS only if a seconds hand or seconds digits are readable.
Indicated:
12:51
